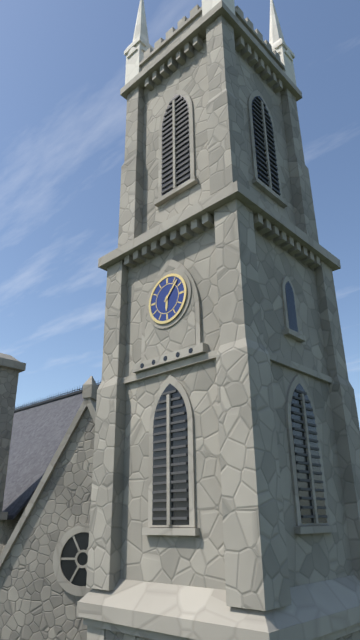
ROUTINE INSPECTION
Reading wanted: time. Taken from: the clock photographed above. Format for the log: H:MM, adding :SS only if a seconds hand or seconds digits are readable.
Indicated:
6:07
